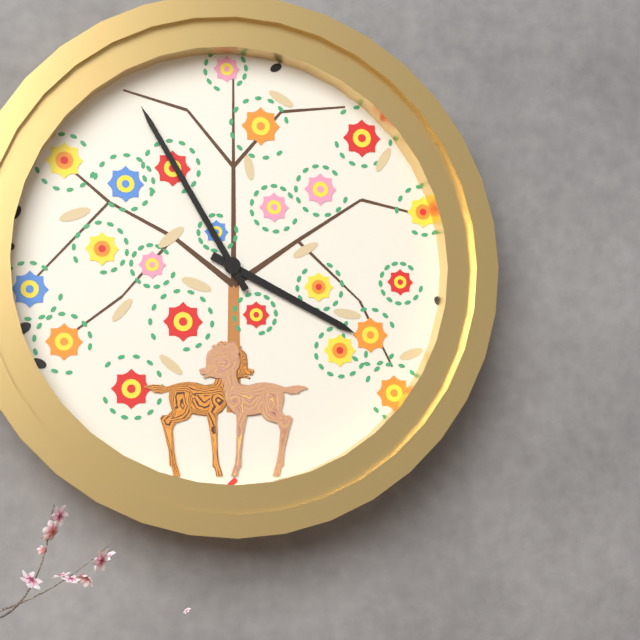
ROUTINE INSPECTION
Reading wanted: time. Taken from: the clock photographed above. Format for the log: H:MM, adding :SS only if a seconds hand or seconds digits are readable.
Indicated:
3:55
